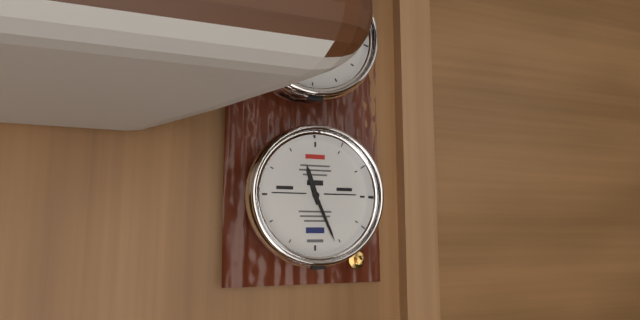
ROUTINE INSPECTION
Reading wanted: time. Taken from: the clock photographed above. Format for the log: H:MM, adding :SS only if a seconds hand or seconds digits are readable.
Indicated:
11:26
